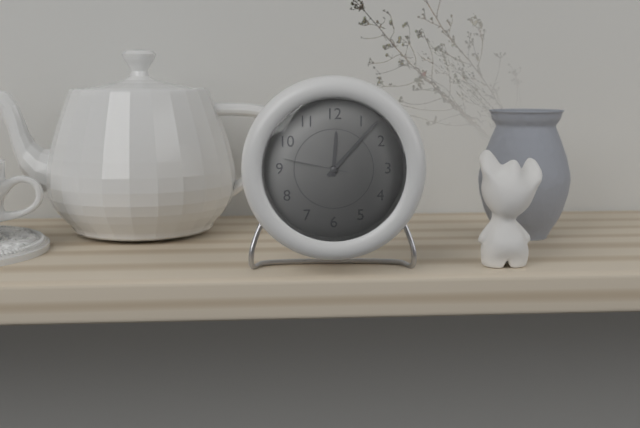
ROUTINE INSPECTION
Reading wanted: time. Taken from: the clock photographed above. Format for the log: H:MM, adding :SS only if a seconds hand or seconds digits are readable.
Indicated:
12:07:47
